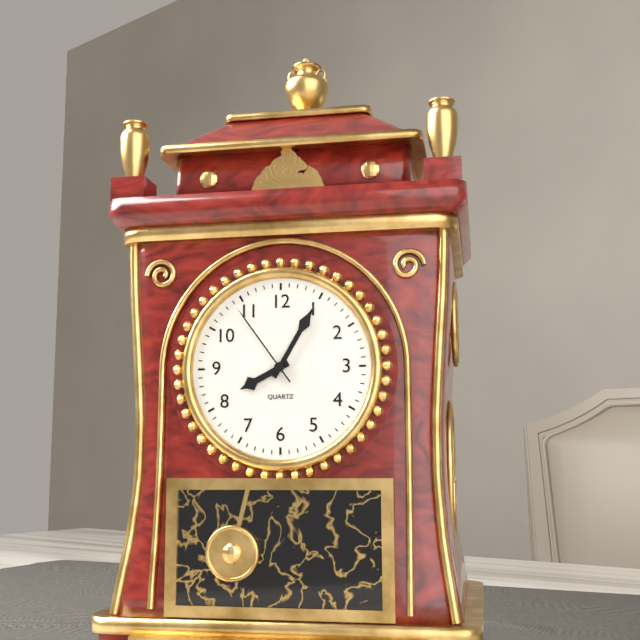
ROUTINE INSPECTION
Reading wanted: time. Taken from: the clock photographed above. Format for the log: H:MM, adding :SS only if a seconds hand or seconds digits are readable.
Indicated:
8:05:54
